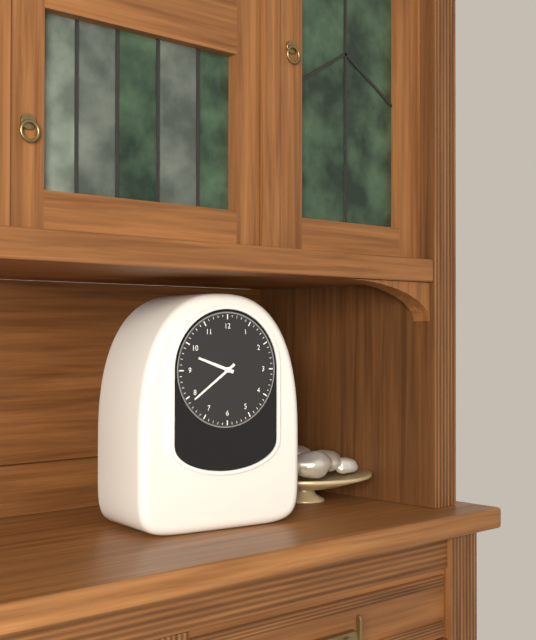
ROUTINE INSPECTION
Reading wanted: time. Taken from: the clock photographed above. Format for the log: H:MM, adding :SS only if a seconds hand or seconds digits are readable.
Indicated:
9:39
